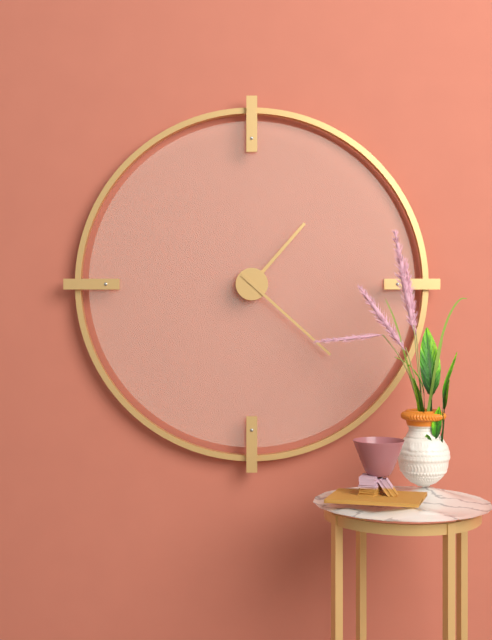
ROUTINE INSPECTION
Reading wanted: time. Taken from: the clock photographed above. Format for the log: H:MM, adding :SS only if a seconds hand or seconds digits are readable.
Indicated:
1:22
